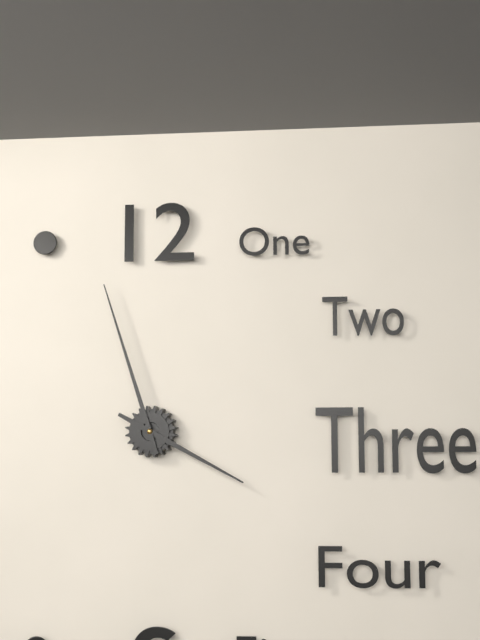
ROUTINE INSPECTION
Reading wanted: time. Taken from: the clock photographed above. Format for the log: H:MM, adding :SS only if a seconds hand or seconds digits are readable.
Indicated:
3:57
